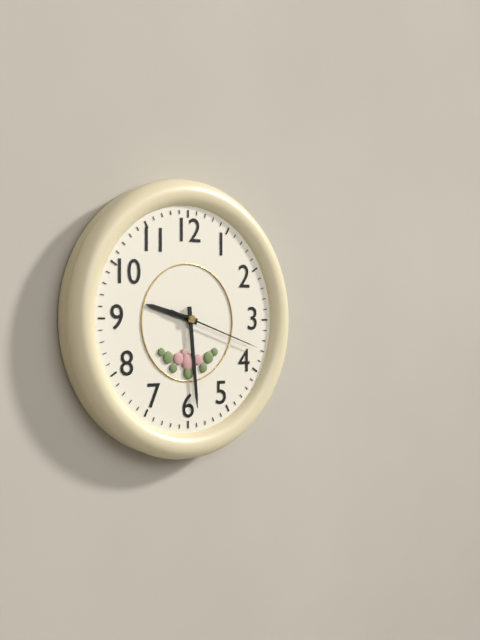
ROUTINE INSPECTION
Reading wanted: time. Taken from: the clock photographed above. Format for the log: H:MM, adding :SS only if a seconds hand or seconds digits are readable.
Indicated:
9:29:18
